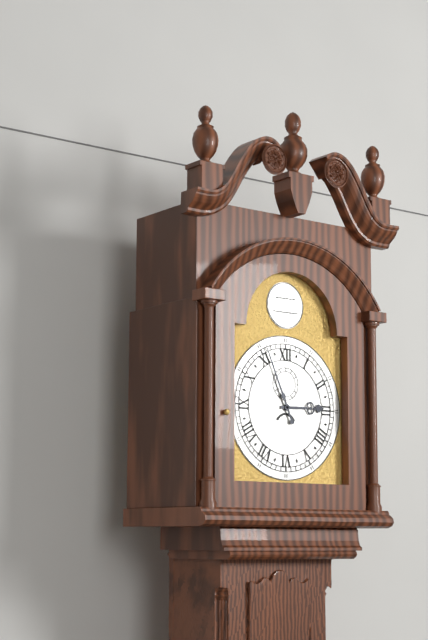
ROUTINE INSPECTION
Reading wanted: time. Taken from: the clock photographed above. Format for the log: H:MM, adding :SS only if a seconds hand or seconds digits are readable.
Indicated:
2:56
